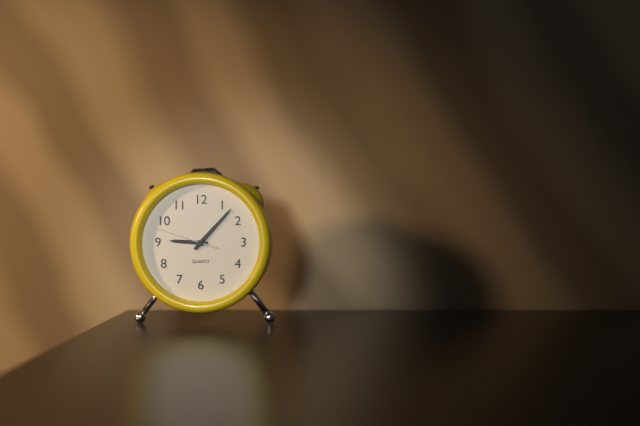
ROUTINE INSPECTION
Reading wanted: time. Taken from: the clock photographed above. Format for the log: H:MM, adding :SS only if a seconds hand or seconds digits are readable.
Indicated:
9:07:48
